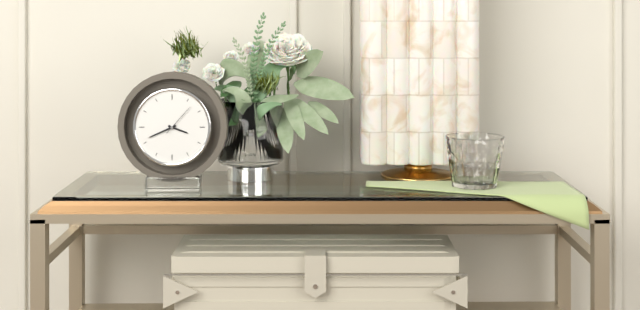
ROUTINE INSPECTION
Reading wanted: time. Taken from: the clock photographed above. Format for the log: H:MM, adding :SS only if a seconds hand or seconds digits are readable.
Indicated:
3:41
